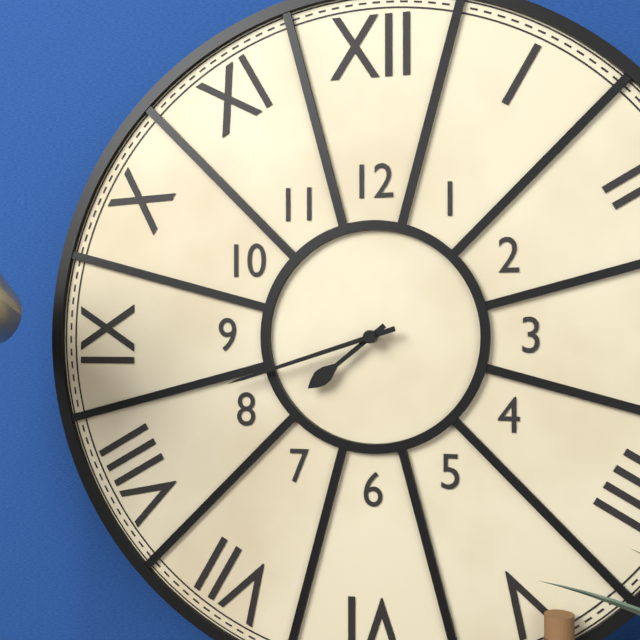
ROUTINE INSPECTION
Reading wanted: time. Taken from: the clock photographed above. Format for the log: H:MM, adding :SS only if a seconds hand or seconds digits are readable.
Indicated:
7:42
